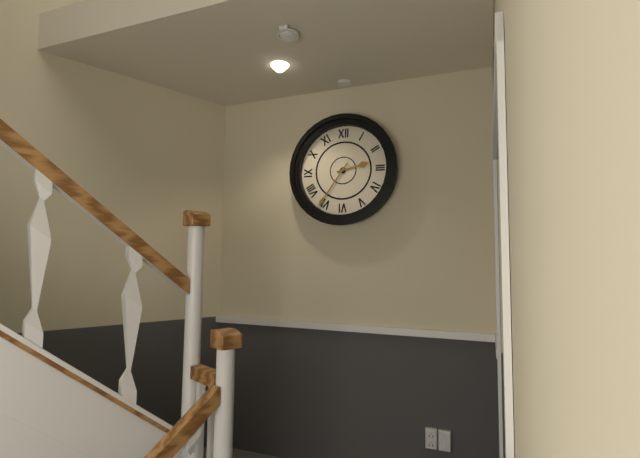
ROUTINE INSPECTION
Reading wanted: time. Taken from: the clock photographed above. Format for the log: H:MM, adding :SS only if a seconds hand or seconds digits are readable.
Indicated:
2:36
